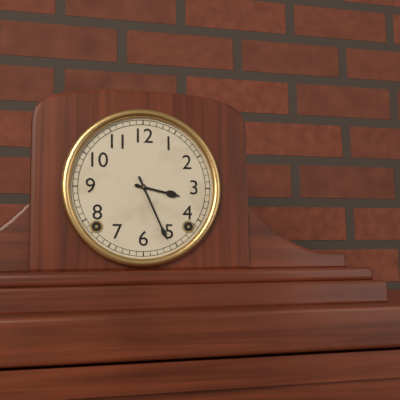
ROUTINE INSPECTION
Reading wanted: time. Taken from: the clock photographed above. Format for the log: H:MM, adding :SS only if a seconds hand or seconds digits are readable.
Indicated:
3:26
